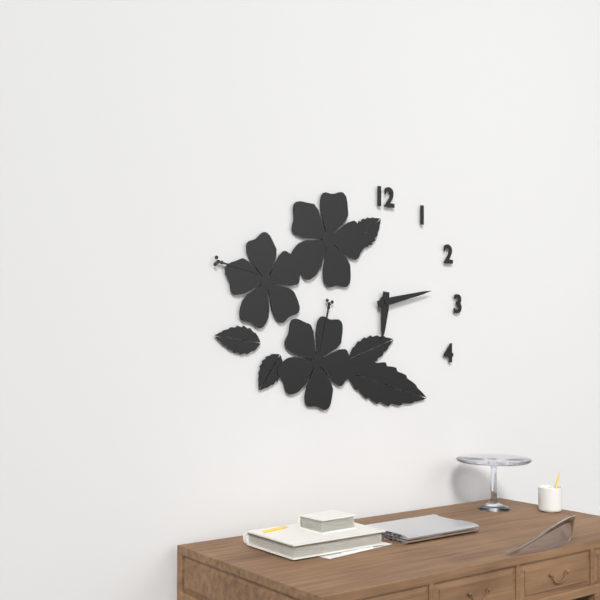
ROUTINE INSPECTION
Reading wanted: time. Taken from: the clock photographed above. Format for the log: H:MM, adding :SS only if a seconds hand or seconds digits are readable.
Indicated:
6:13
